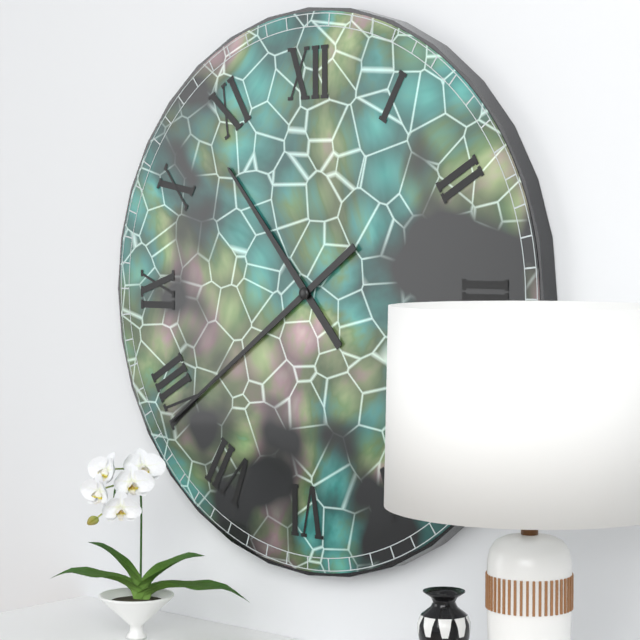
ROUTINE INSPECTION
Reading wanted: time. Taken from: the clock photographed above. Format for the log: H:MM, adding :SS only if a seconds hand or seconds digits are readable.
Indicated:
10:39
